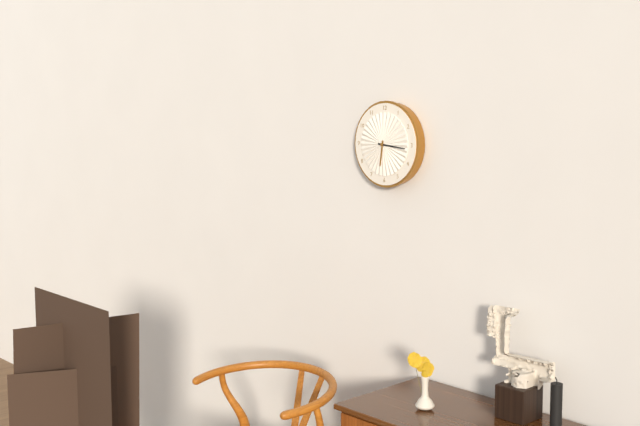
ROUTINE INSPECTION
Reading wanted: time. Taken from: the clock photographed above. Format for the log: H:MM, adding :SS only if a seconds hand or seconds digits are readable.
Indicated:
6:16
